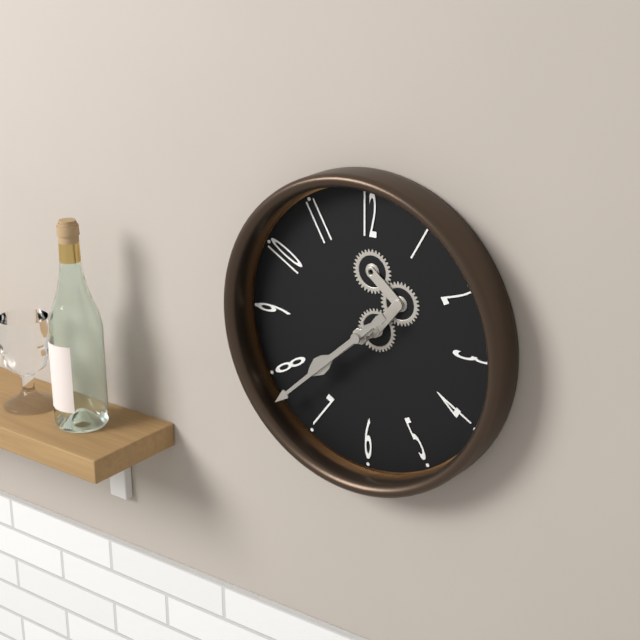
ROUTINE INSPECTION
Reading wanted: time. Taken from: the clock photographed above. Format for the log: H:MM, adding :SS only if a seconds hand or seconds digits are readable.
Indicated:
7:38
